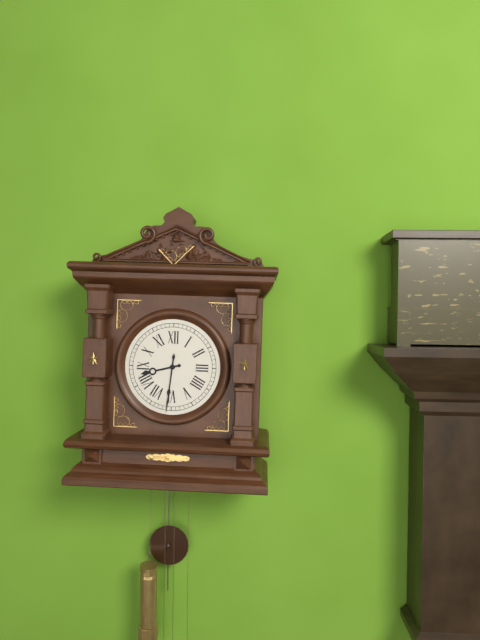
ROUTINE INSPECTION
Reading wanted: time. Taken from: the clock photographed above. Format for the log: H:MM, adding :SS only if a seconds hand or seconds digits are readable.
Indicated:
8:31
